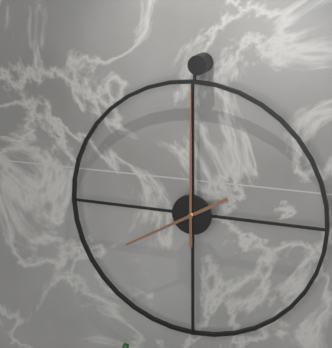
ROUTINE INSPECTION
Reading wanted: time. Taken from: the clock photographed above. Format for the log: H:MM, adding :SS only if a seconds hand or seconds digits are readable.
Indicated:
8:00
